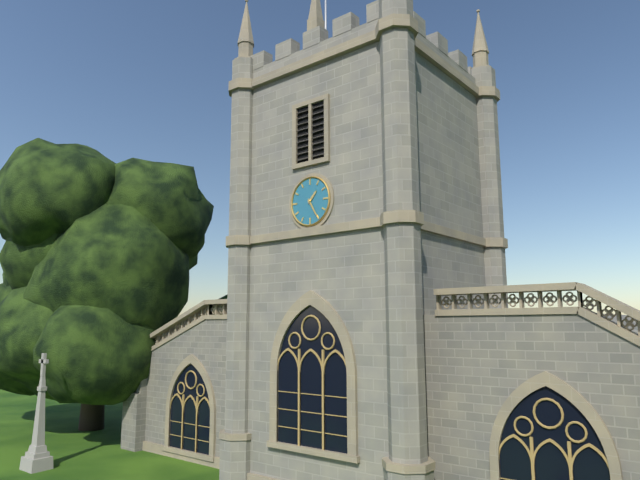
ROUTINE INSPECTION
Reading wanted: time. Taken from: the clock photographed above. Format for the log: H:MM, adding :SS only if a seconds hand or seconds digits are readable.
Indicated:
1:25
